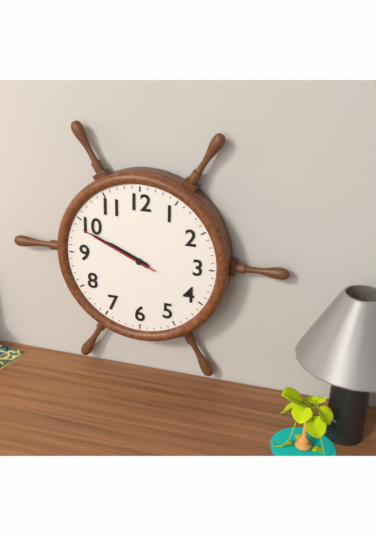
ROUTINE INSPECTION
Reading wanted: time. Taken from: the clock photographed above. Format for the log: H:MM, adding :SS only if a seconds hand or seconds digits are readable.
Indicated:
9:49:49
